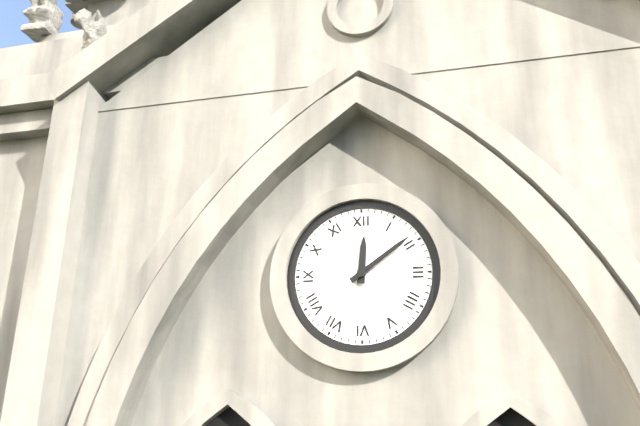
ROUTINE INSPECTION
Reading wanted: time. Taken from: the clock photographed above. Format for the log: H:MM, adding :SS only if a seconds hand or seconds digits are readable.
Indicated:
12:09
